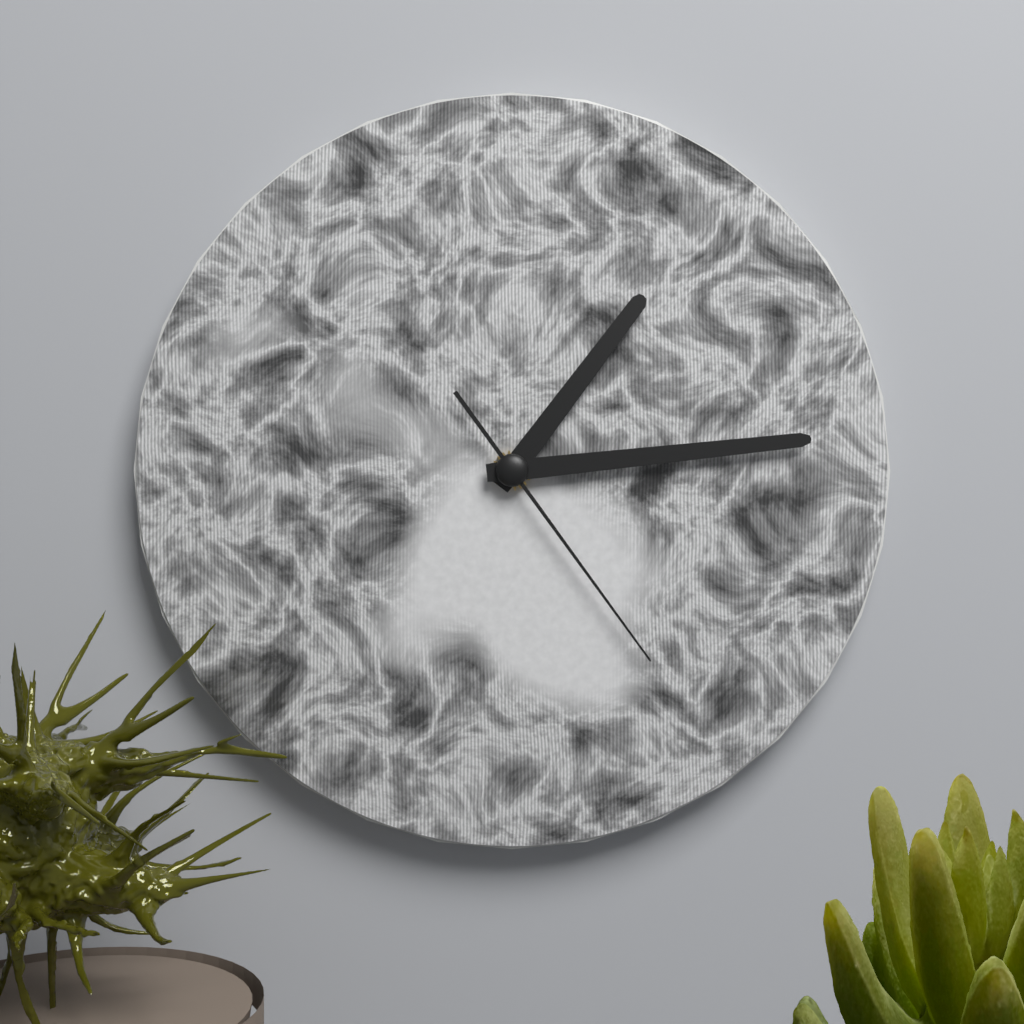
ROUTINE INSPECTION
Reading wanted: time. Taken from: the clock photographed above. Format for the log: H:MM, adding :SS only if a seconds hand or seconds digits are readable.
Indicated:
1:14:24
